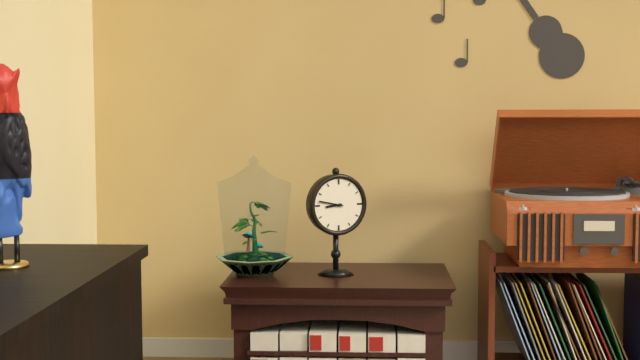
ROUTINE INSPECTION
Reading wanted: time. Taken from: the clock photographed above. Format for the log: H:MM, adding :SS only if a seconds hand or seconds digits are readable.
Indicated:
8:47
